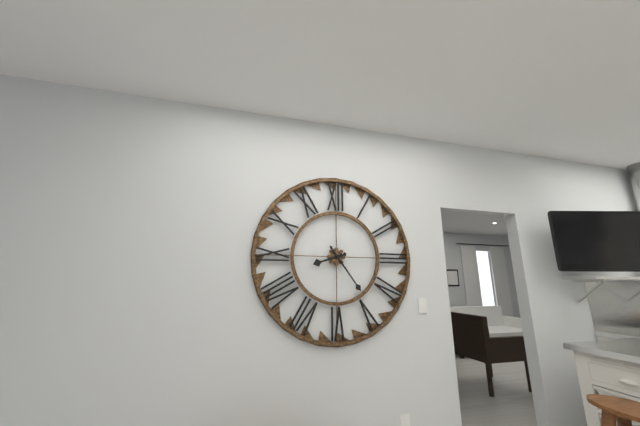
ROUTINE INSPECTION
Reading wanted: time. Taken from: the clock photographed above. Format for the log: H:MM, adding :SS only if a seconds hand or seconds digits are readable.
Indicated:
8:24
